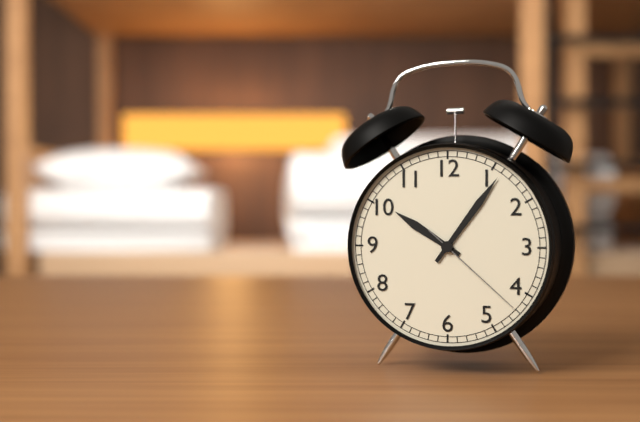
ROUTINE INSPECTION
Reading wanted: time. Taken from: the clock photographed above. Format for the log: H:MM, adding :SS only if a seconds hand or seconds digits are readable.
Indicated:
10:06:22
